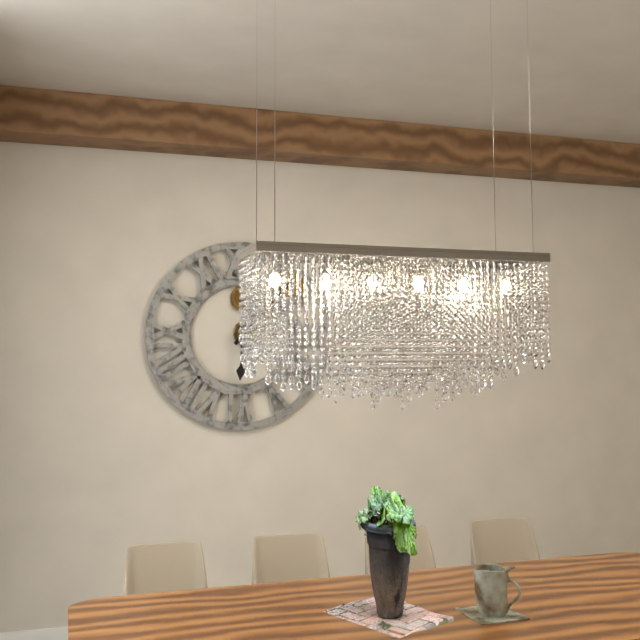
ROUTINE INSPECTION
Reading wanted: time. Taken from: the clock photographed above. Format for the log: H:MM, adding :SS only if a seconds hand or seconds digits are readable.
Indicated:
6:07
